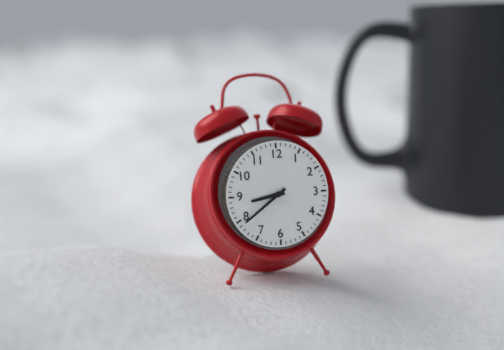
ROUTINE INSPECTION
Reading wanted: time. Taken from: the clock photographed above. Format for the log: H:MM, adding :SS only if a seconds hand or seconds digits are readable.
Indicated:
8:39
